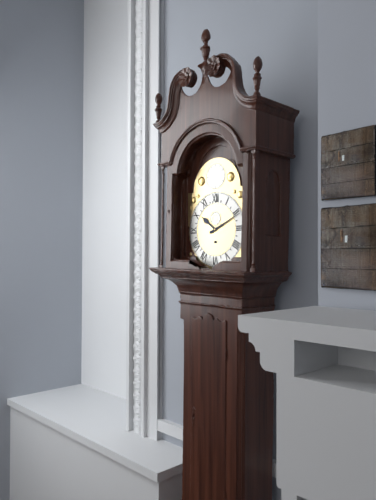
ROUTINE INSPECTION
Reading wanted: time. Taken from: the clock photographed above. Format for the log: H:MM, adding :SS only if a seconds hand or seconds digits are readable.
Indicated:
10:11
